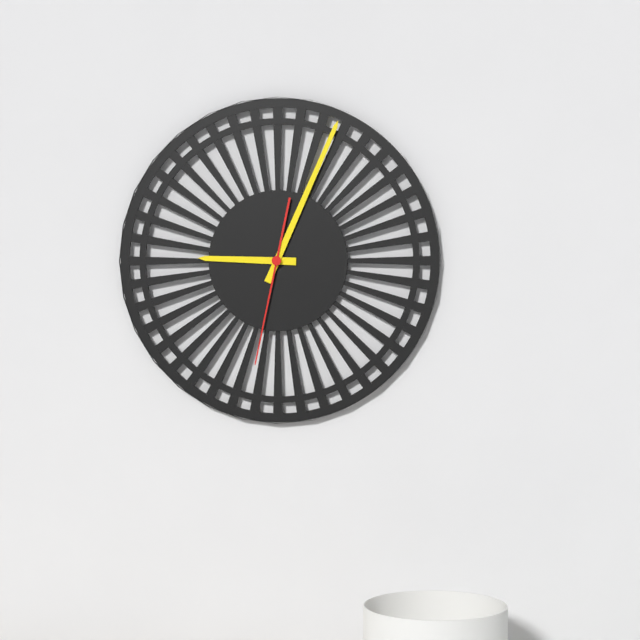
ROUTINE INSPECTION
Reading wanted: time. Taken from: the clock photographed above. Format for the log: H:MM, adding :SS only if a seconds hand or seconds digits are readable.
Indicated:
9:04:32
